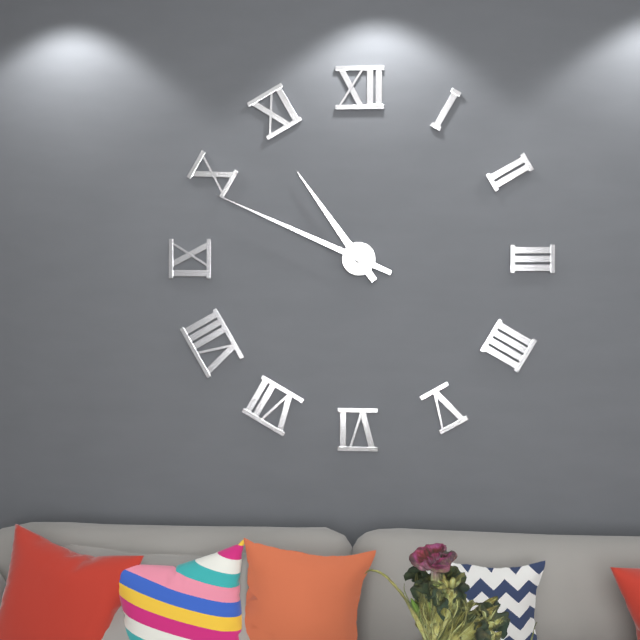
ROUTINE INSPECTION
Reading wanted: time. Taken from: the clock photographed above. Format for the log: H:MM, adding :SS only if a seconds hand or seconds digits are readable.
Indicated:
10:49
